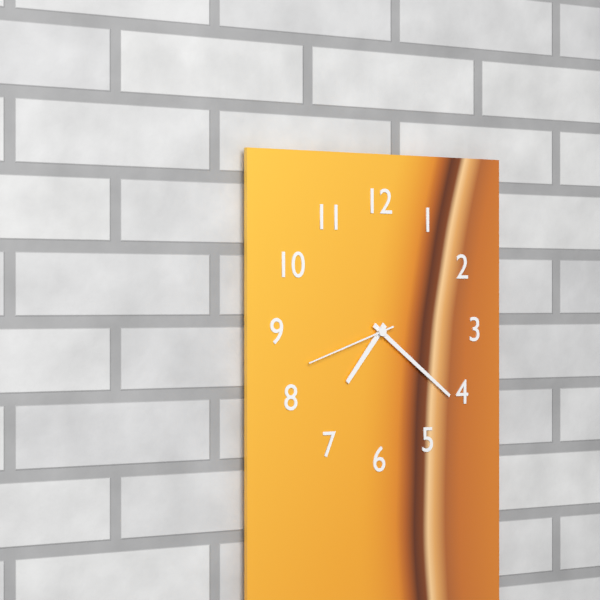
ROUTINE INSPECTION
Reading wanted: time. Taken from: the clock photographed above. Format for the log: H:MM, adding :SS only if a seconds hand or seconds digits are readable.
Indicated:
7:21:42
